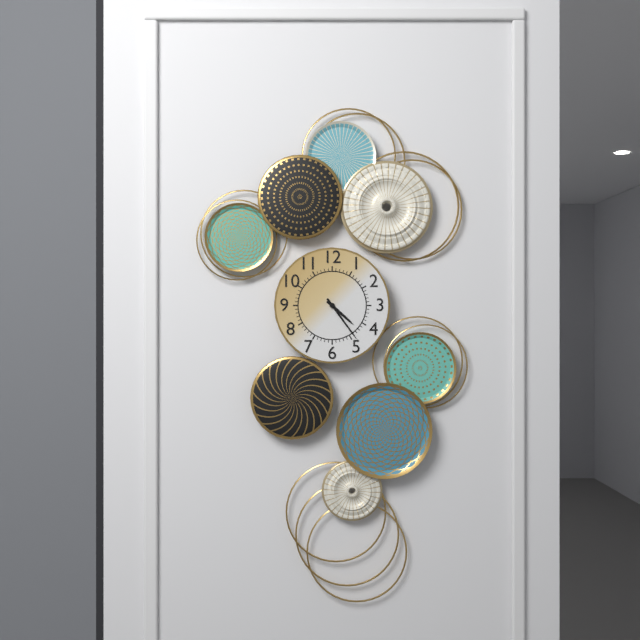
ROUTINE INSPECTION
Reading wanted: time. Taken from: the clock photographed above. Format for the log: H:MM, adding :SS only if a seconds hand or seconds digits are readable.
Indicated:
4:24
